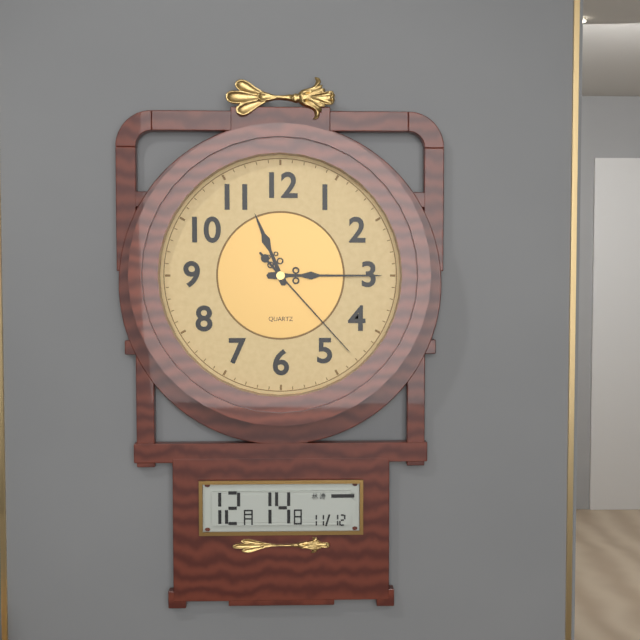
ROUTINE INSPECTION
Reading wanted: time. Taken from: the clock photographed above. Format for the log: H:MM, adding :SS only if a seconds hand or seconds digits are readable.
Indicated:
11:15:23
